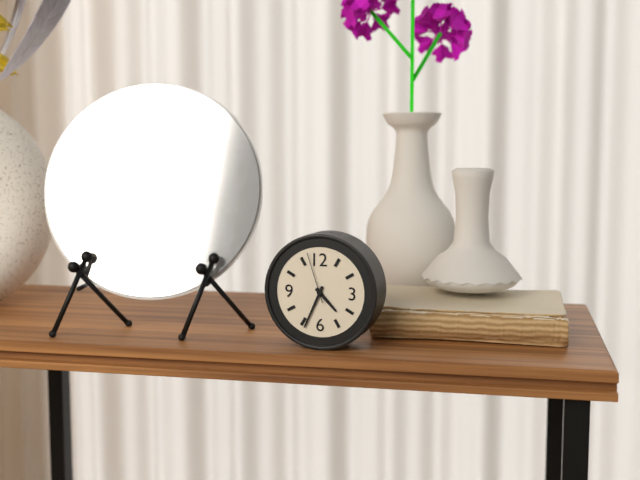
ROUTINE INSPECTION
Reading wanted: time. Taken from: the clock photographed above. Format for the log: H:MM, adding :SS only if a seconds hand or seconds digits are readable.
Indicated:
4:34:57
